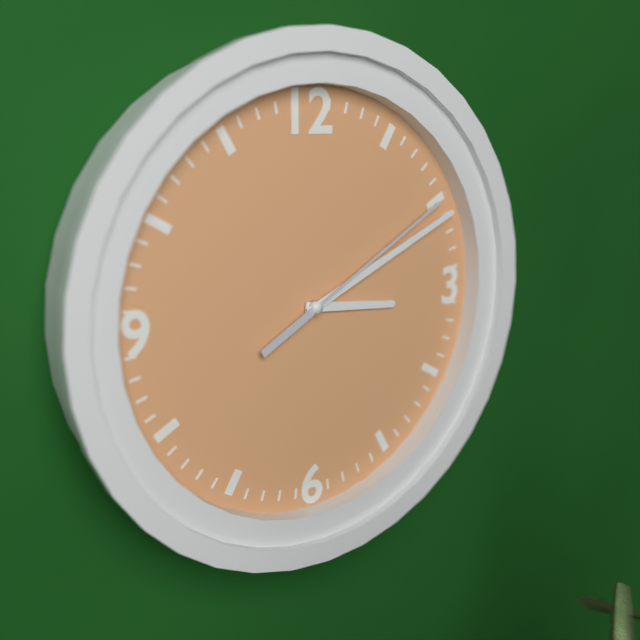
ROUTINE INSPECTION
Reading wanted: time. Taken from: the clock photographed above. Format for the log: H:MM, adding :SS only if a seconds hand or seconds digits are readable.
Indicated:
3:11:10
